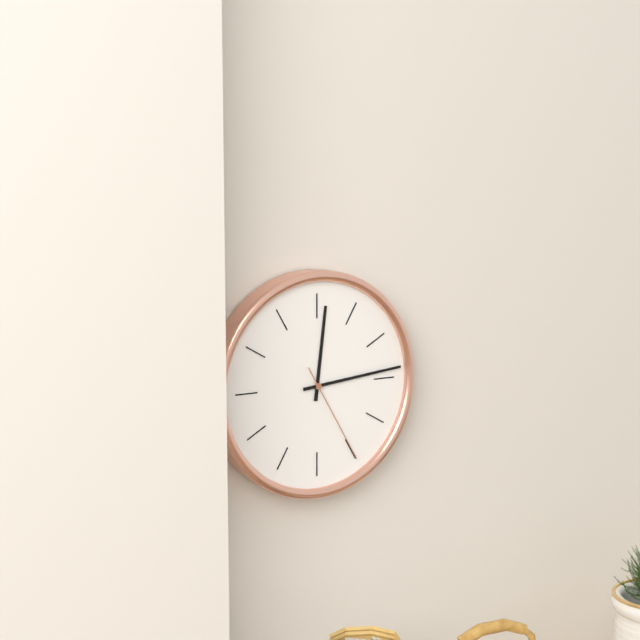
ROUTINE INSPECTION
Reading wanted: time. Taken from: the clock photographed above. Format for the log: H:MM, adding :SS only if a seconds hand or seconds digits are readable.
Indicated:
12:14:25
